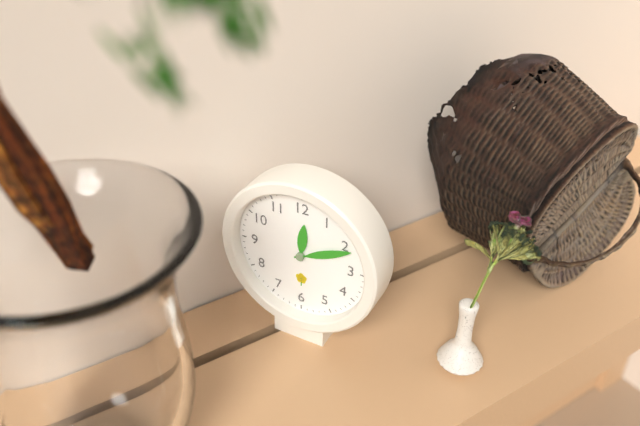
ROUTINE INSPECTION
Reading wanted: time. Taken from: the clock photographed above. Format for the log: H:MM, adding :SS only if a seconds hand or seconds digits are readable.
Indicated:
12:11
